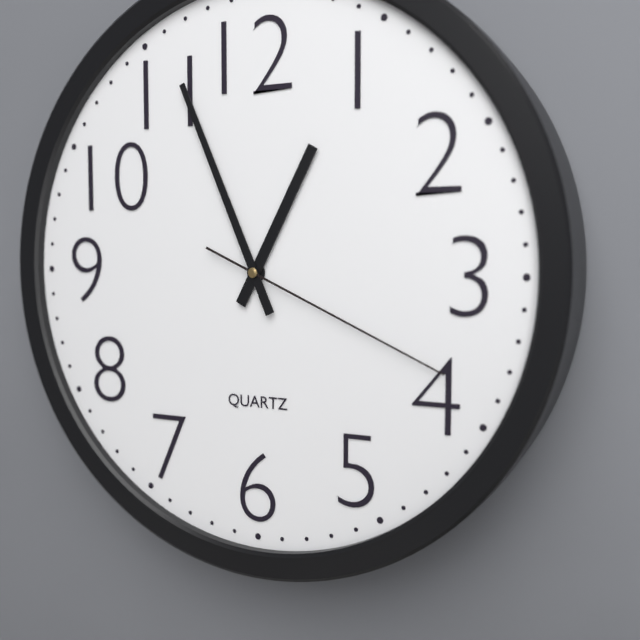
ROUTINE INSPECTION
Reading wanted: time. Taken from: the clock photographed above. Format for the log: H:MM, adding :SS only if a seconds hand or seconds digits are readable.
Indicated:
12:56:19
